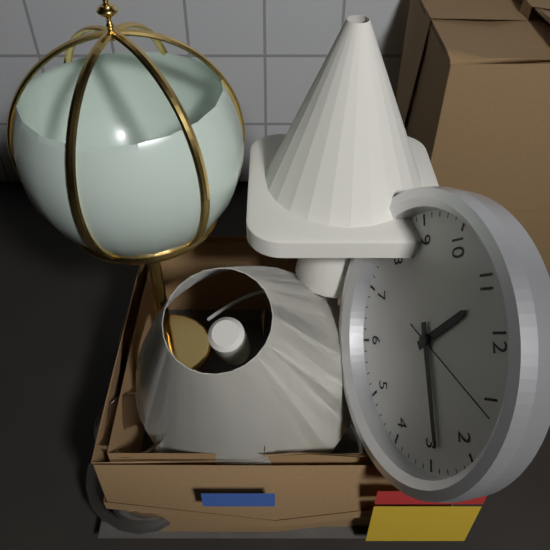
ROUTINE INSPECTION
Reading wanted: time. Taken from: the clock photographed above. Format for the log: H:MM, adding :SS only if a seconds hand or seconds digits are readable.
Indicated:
11:14:06
